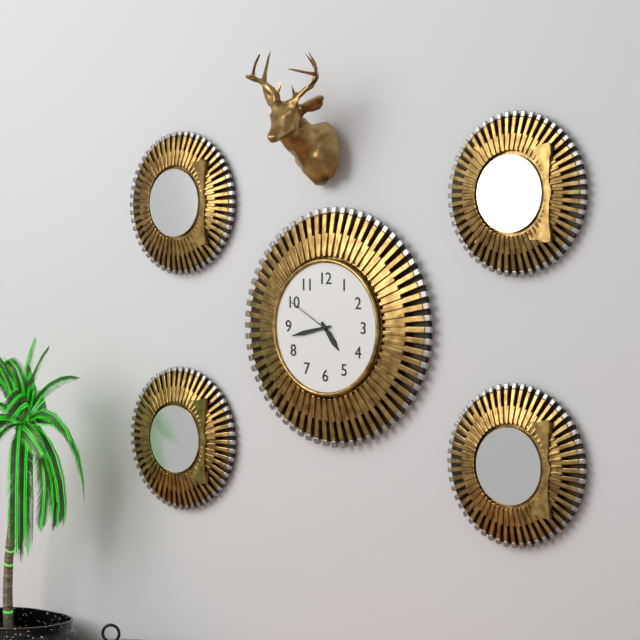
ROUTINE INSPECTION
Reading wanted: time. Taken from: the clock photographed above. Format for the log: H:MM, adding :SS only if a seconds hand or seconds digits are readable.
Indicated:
4:43:50
